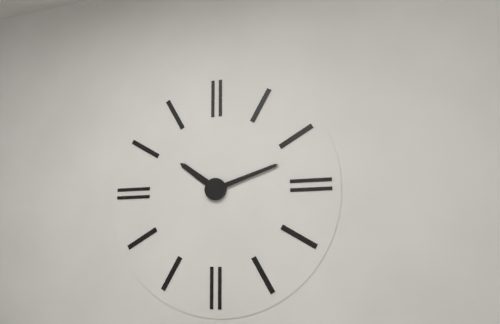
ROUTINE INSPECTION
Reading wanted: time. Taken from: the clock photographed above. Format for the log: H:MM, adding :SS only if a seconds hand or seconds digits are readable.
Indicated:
10:12
